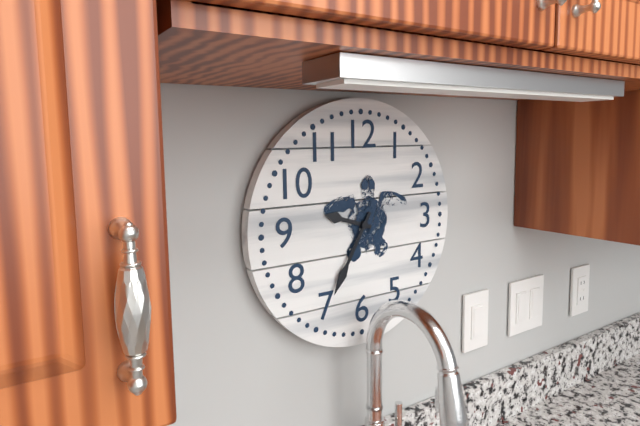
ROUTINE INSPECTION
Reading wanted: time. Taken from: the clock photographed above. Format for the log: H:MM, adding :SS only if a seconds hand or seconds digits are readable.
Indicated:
9:35
